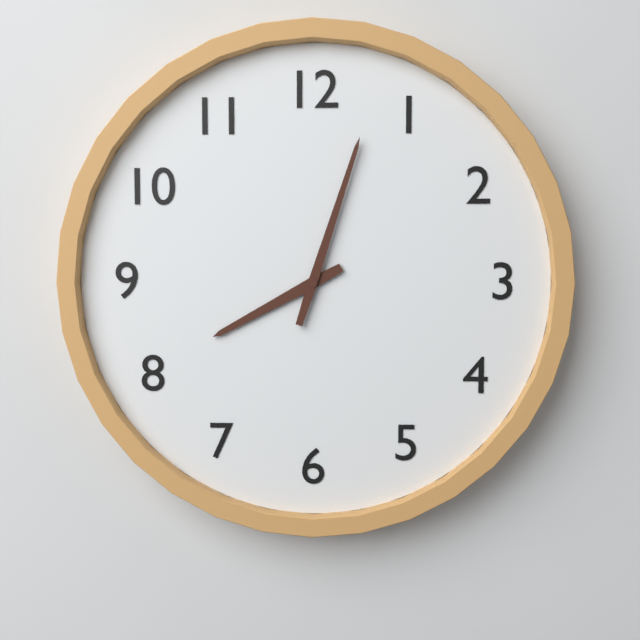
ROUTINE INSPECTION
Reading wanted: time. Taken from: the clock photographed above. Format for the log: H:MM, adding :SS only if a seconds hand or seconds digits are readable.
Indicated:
8:03
